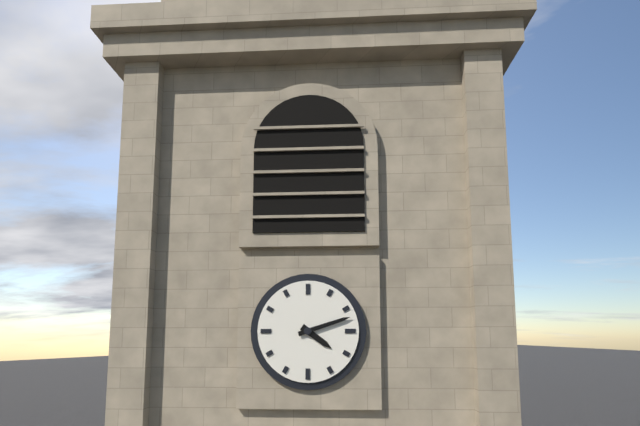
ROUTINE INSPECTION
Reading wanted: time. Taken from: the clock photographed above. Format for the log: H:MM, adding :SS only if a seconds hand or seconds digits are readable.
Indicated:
4:12
